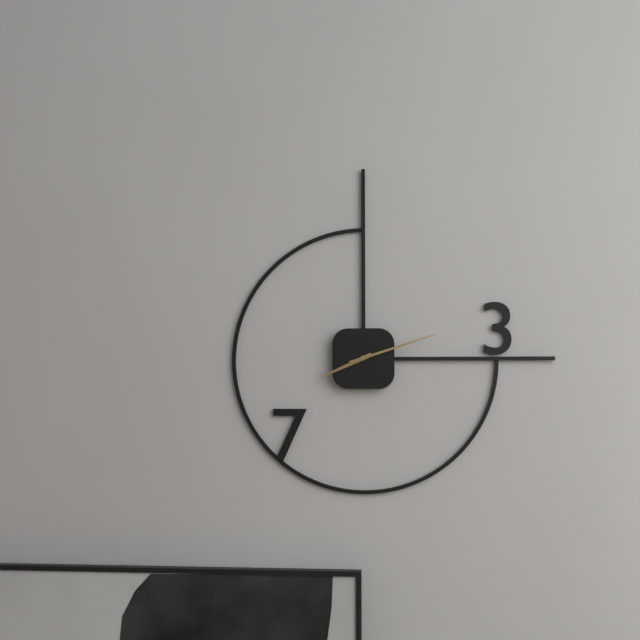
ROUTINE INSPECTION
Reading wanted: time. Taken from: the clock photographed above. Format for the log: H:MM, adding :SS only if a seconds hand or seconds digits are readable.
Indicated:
8:12
